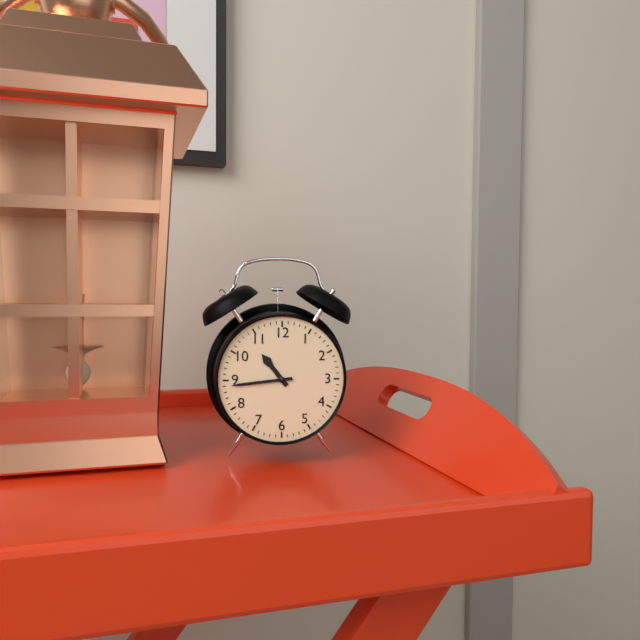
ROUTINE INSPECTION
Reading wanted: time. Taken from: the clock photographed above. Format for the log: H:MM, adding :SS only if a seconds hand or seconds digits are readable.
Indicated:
10:44
